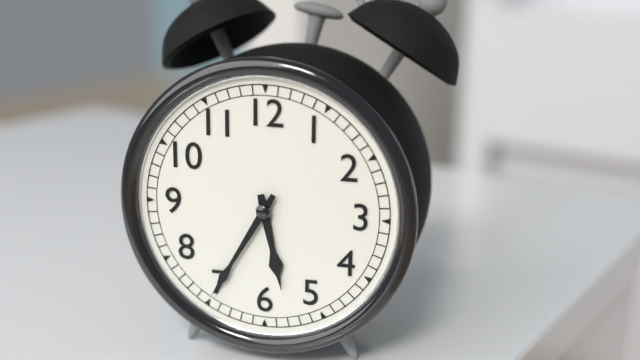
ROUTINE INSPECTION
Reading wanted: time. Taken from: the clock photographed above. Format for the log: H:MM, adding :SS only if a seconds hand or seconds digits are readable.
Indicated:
5:35
